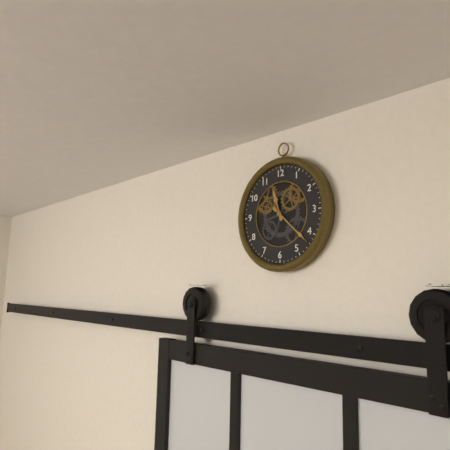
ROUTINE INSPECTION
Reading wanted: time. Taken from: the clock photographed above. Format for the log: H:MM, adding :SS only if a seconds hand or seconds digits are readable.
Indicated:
11:22
